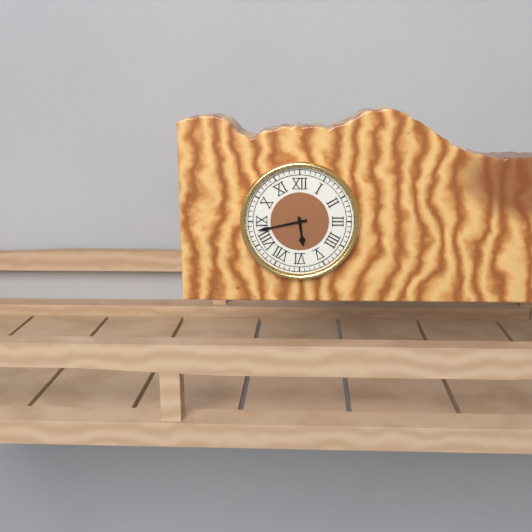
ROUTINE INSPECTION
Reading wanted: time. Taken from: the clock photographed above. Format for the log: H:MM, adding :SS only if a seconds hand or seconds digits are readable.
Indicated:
5:43
